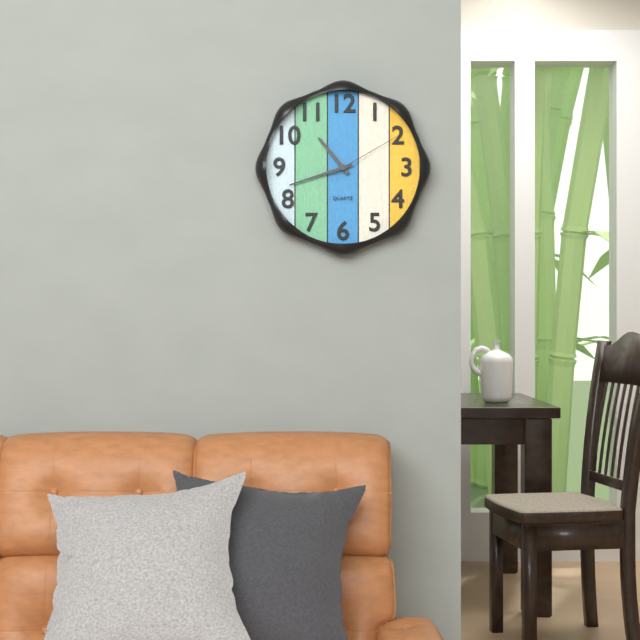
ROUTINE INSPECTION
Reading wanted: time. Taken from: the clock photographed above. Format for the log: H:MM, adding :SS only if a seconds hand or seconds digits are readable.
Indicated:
10:42:10
